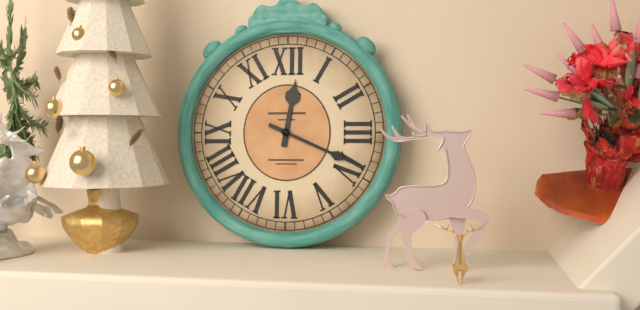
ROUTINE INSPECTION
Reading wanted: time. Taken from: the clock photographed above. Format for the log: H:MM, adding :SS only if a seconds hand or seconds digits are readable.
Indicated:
12:19
